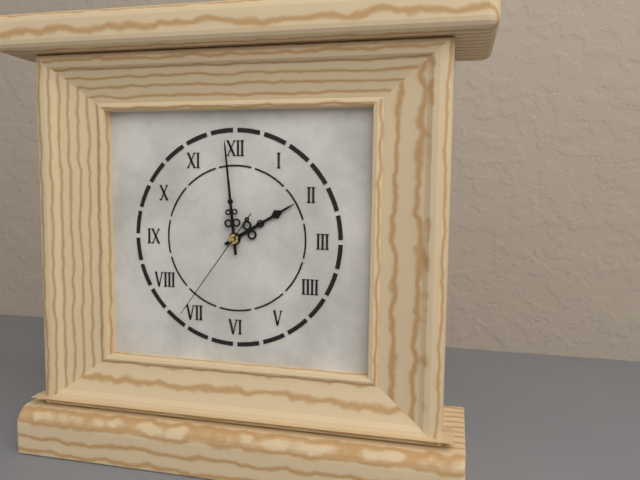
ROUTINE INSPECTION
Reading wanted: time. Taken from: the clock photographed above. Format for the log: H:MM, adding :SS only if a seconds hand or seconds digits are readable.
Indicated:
1:59:36
